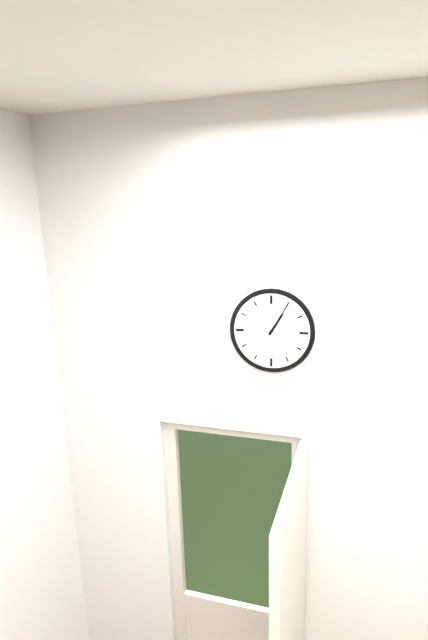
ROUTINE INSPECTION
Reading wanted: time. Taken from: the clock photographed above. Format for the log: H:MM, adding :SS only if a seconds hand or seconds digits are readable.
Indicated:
1:05
